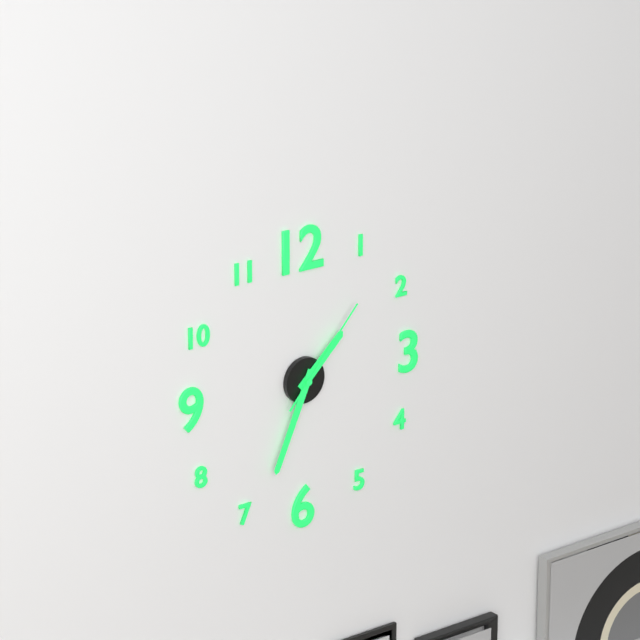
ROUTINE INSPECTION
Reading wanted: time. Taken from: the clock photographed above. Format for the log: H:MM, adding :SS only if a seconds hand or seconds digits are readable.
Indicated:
1:34:07
